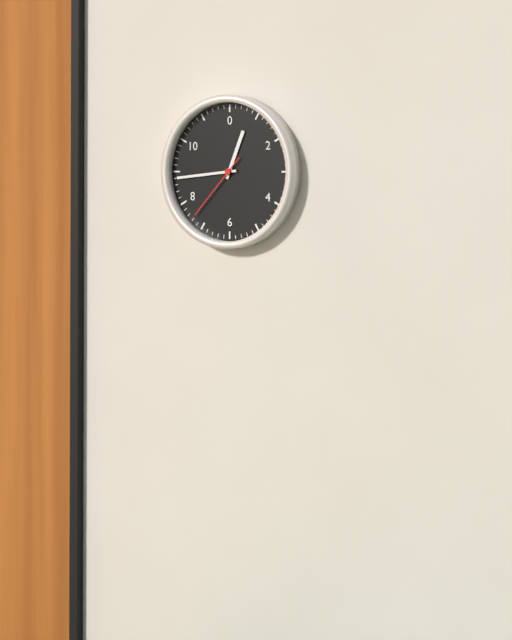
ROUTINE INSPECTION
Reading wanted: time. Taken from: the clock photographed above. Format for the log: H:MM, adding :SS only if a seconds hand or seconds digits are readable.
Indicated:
12:44:37
